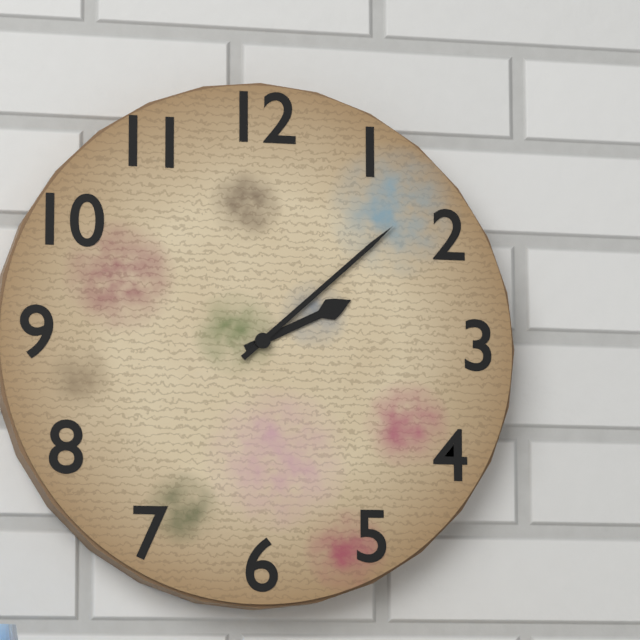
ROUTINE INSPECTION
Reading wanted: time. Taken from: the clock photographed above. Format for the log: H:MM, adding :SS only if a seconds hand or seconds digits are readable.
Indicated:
2:08
